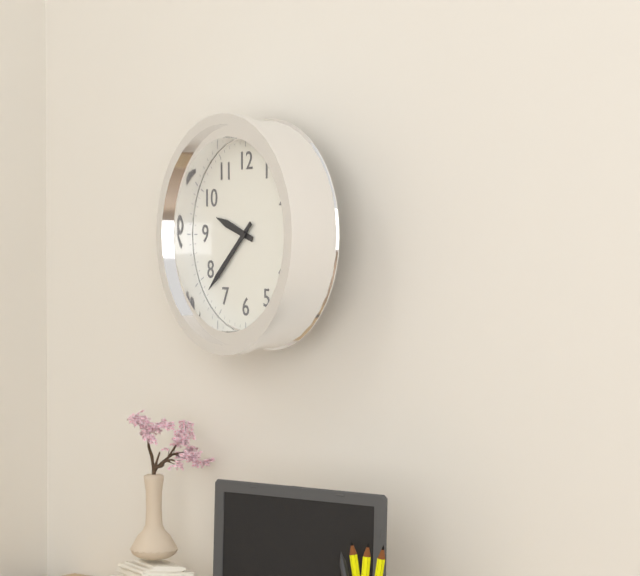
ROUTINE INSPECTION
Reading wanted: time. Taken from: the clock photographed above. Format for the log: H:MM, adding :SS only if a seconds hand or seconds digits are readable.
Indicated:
9:38
